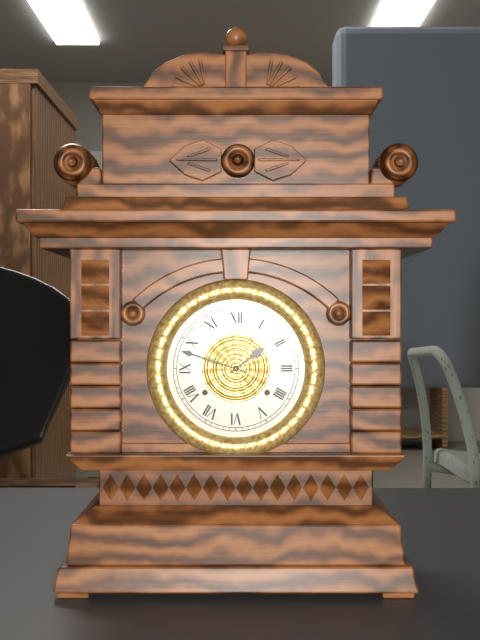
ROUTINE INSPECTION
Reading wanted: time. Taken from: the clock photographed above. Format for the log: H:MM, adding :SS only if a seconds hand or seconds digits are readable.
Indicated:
1:48
